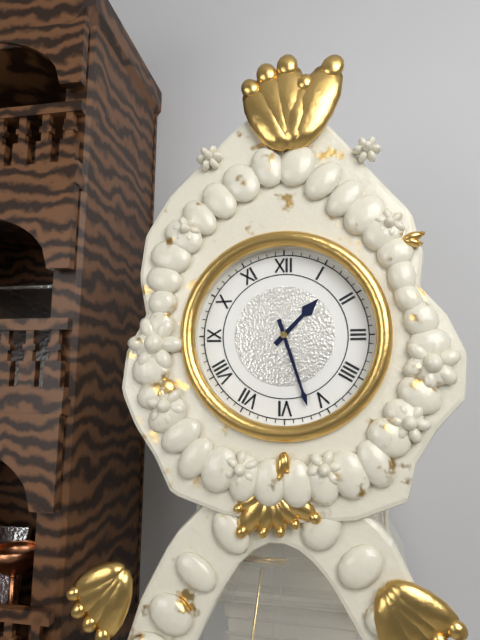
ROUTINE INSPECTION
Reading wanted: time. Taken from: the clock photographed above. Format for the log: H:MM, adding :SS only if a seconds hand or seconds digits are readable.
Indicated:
1:27
